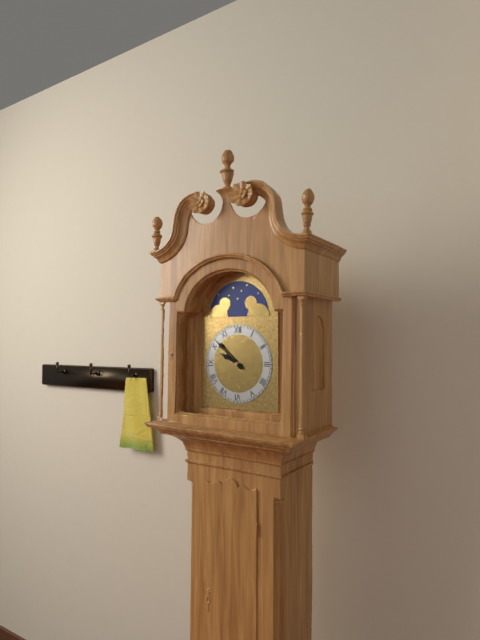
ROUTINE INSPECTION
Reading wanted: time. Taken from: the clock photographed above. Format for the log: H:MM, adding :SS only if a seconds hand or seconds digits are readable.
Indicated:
9:52
